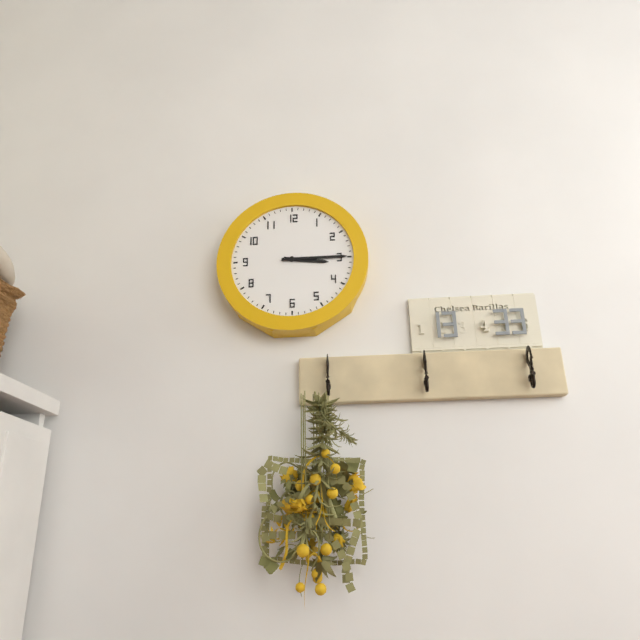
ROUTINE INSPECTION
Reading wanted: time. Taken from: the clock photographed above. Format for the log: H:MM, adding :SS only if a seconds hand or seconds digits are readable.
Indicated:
3:15
